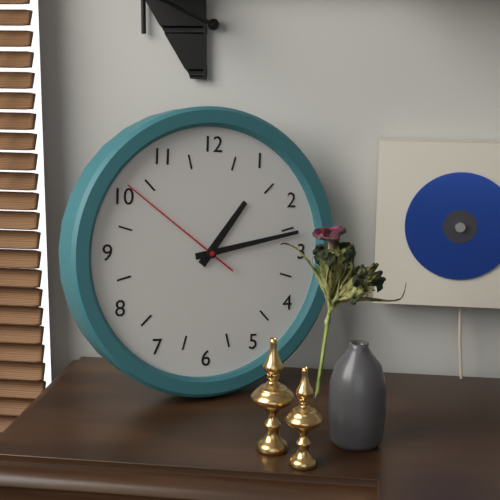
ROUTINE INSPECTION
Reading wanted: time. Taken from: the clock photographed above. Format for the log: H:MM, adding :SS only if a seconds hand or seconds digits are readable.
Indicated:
1:13:51
